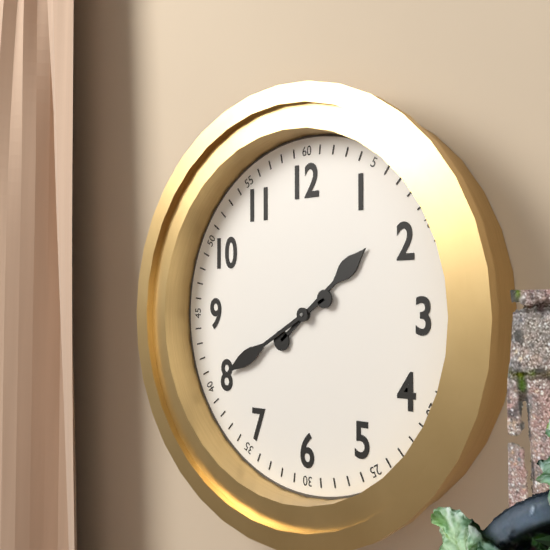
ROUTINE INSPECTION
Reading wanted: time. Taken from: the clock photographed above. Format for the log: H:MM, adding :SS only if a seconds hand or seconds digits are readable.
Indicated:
1:40
